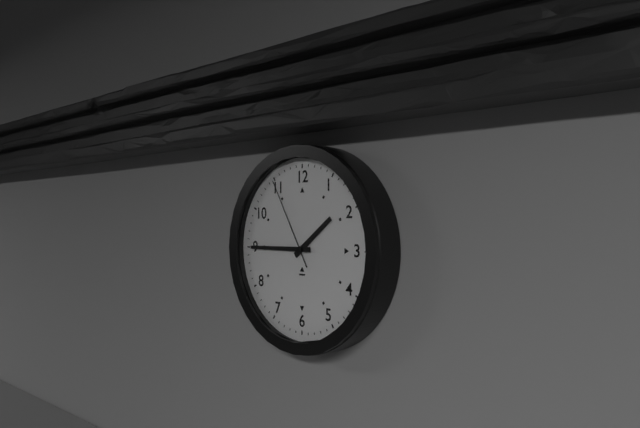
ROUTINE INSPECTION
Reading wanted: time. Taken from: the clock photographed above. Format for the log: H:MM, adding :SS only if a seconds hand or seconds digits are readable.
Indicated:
1:45:55
